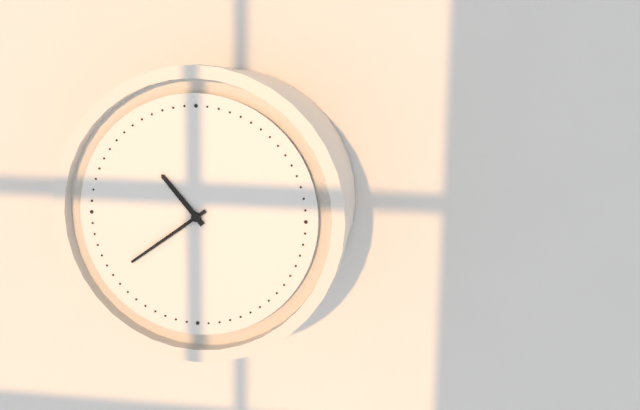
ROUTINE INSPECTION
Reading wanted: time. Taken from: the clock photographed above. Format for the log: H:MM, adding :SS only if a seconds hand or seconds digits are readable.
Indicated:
10:39
